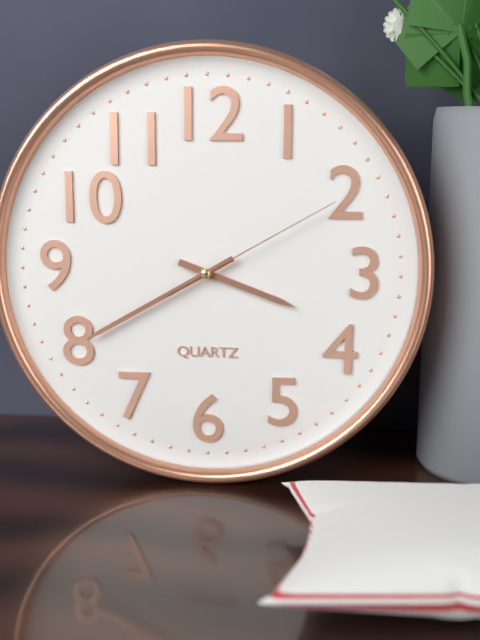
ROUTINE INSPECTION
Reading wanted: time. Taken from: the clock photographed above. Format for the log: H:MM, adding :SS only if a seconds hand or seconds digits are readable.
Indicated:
3:40:10
